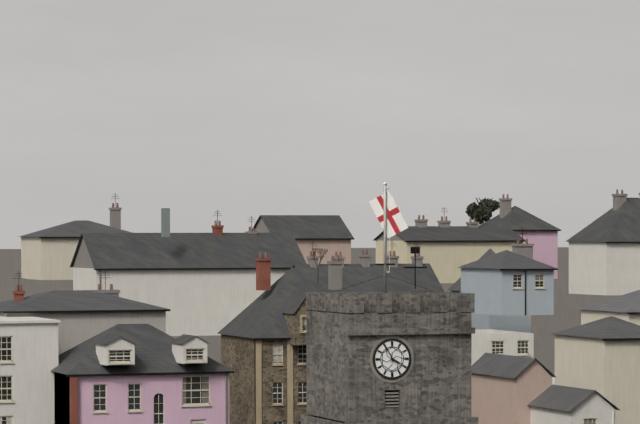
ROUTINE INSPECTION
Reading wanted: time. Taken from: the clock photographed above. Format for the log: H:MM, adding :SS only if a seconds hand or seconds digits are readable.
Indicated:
3:55
